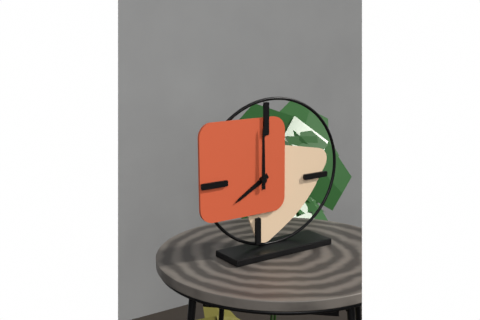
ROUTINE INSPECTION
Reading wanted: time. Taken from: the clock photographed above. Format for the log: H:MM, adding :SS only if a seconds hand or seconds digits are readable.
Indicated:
8:00
